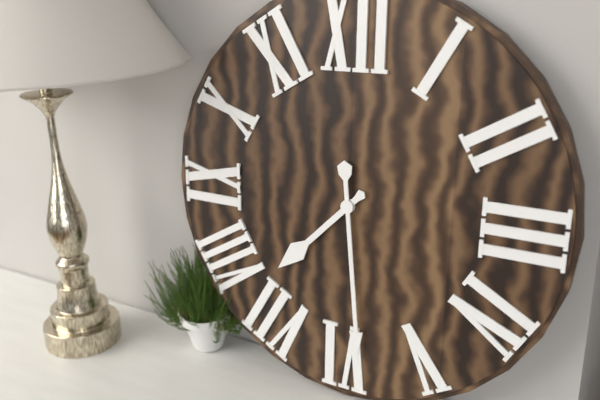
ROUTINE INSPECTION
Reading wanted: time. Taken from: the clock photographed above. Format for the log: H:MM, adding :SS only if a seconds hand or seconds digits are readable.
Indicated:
7:29
